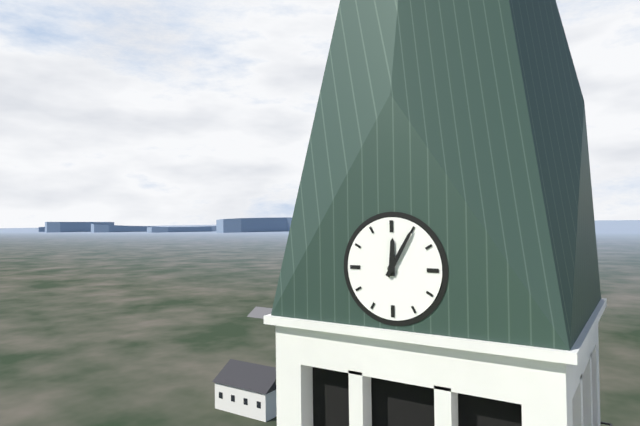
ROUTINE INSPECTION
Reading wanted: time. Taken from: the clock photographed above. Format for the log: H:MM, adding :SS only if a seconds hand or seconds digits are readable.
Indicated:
12:05
